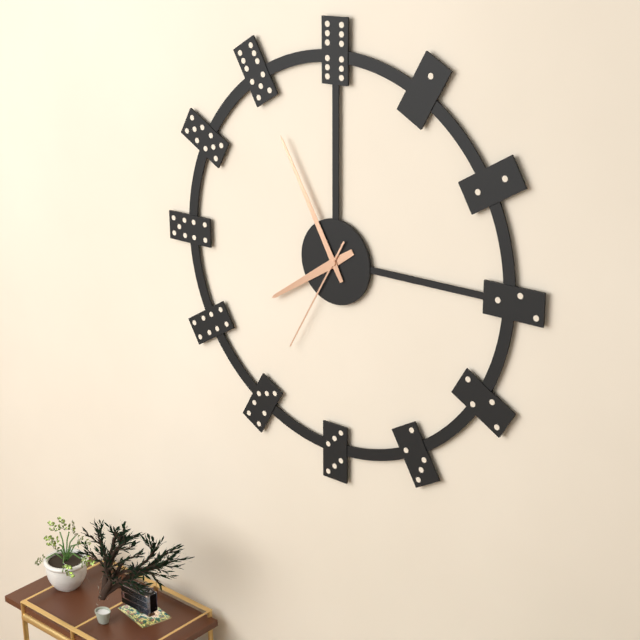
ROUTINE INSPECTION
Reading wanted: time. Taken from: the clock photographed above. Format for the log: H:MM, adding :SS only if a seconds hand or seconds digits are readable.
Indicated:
7:55:35
